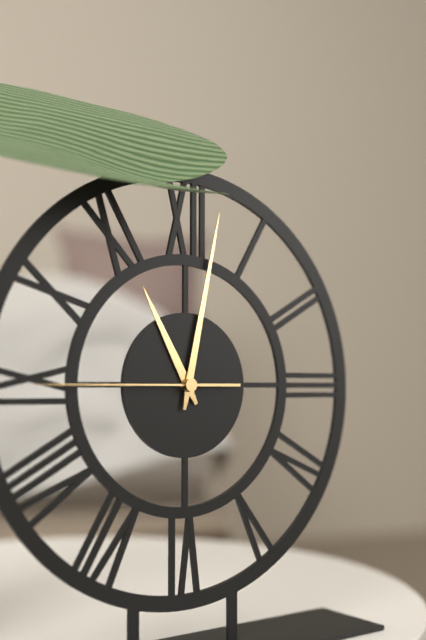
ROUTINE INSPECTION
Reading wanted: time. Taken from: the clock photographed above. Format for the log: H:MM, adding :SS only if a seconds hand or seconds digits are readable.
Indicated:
11:02:45
